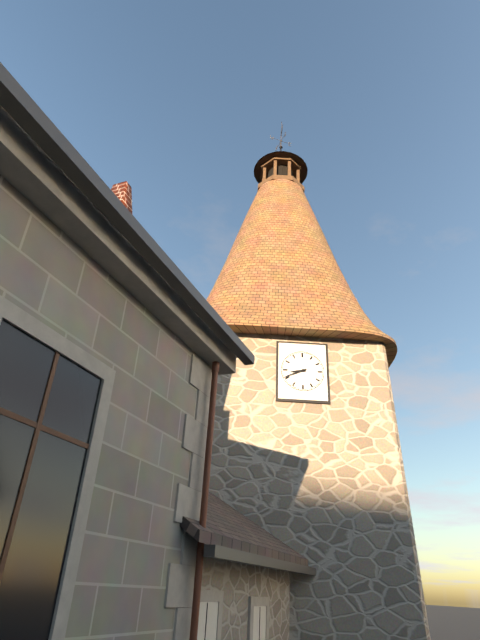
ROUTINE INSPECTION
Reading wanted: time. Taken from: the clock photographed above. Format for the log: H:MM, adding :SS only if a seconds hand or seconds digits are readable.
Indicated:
8:41
